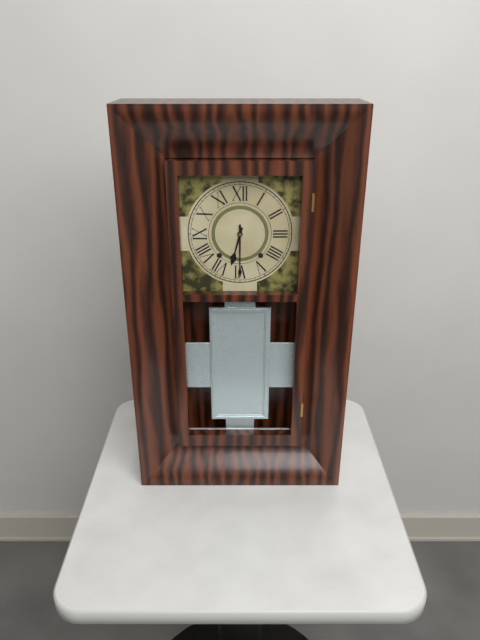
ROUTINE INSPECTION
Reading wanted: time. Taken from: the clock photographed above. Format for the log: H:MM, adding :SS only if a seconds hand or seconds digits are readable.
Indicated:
6:30
